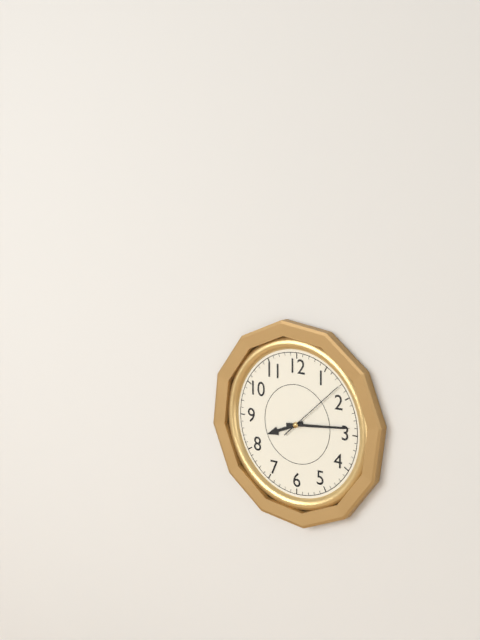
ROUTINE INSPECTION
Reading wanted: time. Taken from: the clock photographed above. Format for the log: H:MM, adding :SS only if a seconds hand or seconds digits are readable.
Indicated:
8:14:08
